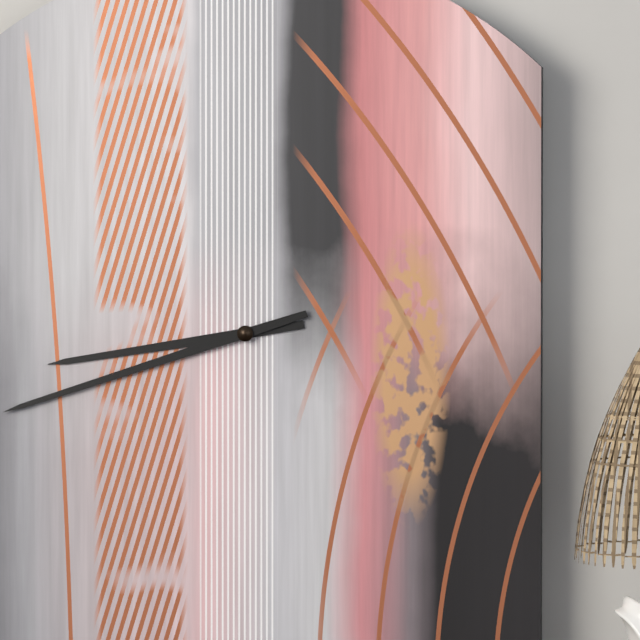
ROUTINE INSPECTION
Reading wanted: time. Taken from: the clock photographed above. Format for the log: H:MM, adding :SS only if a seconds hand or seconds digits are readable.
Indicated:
8:42
